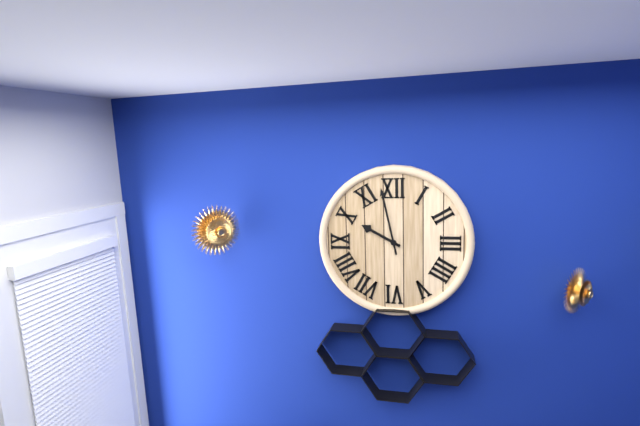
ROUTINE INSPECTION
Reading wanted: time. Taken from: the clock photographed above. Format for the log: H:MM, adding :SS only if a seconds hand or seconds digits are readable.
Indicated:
9:58
